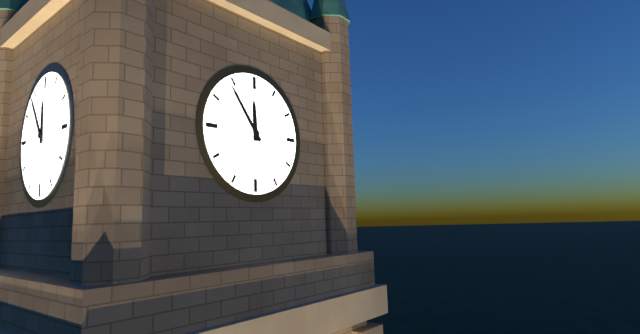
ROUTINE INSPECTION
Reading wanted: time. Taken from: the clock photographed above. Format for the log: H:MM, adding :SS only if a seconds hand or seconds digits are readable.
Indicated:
11:54
